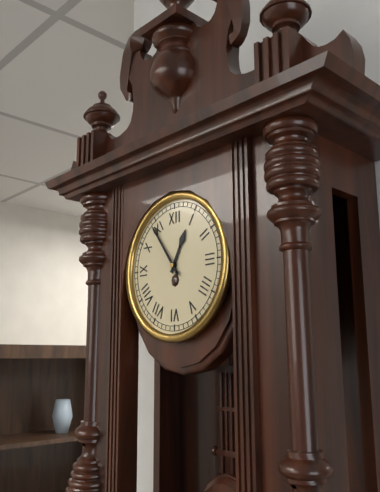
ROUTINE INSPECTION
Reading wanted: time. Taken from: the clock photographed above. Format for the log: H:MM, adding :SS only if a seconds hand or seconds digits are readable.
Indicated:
12:54
